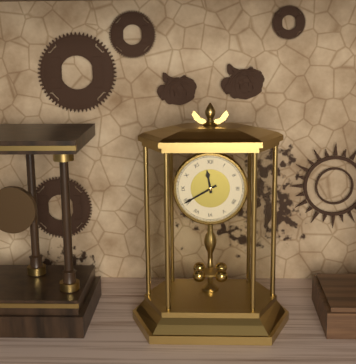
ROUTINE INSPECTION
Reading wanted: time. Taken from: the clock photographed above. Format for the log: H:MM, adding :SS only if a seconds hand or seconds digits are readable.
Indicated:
11:40
